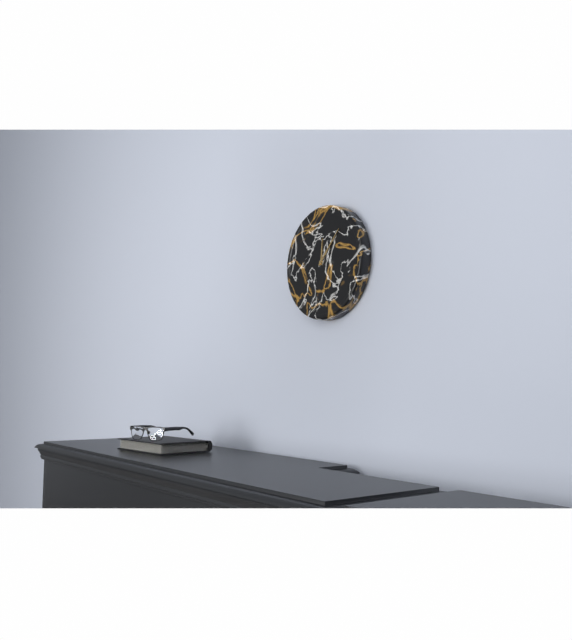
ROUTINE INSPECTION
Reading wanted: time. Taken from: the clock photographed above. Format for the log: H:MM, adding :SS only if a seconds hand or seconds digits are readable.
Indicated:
12:07
